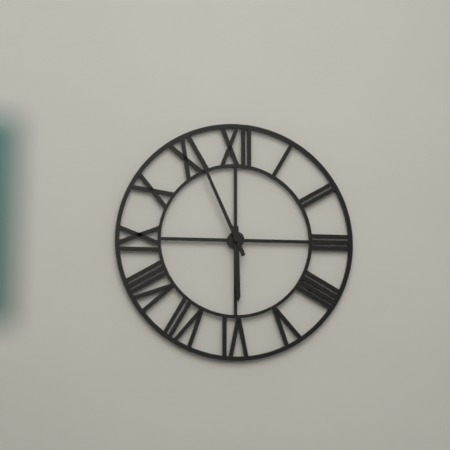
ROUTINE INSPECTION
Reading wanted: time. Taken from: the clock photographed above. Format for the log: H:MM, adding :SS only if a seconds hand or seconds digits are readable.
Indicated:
5:56
